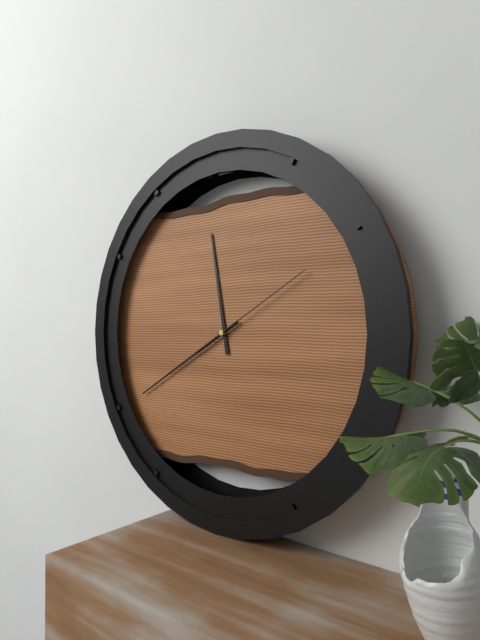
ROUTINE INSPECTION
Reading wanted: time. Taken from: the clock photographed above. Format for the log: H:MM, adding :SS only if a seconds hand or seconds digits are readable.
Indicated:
11:40:10
